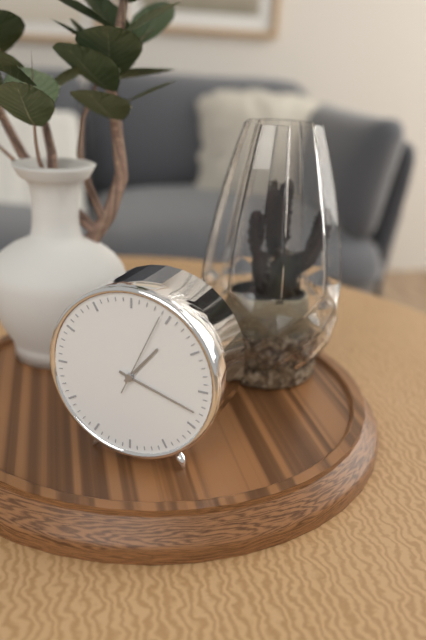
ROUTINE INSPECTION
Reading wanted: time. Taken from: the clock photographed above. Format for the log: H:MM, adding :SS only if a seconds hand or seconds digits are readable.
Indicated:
1:18:04
